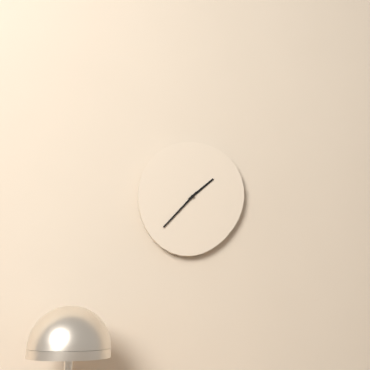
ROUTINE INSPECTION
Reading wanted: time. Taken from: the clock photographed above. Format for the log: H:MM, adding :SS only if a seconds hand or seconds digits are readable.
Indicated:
1:37
